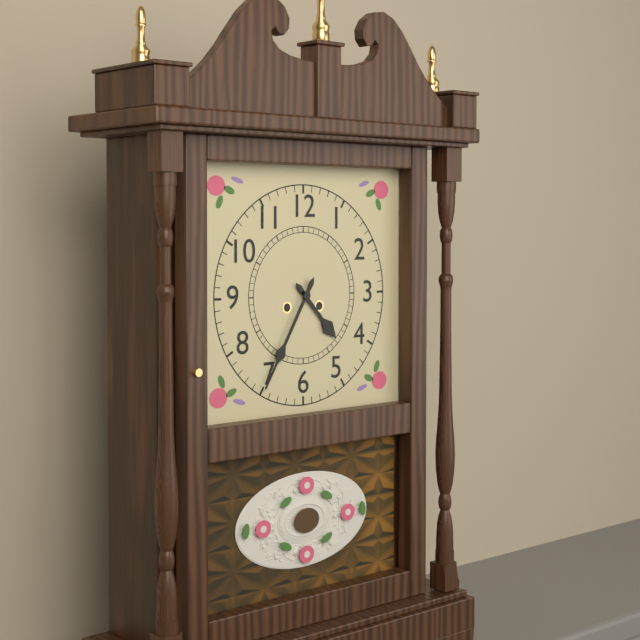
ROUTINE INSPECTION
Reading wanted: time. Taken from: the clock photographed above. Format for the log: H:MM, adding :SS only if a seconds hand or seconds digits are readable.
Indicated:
4:35
